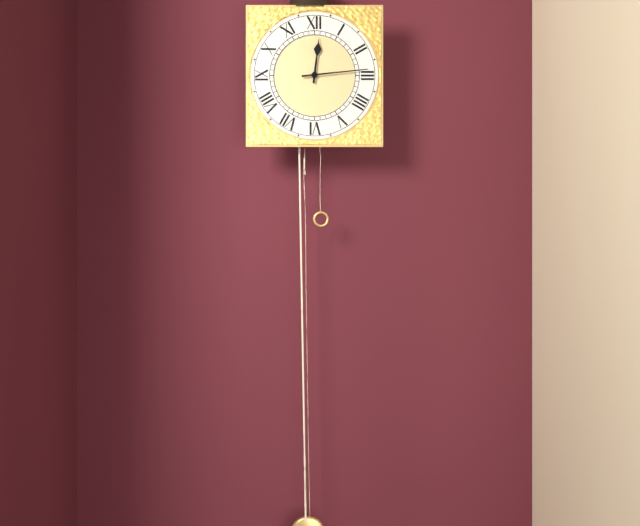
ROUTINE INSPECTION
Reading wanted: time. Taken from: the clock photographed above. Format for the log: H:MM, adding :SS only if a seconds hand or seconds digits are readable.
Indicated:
12:14
